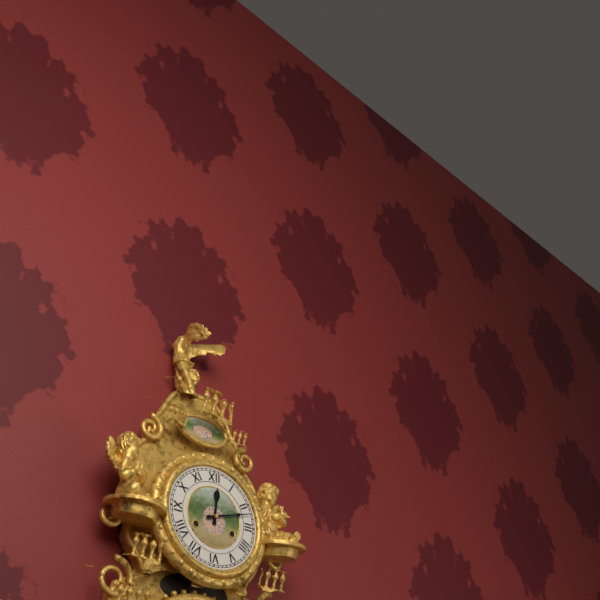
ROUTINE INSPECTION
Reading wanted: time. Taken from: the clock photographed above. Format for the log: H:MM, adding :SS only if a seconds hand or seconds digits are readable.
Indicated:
12:12
